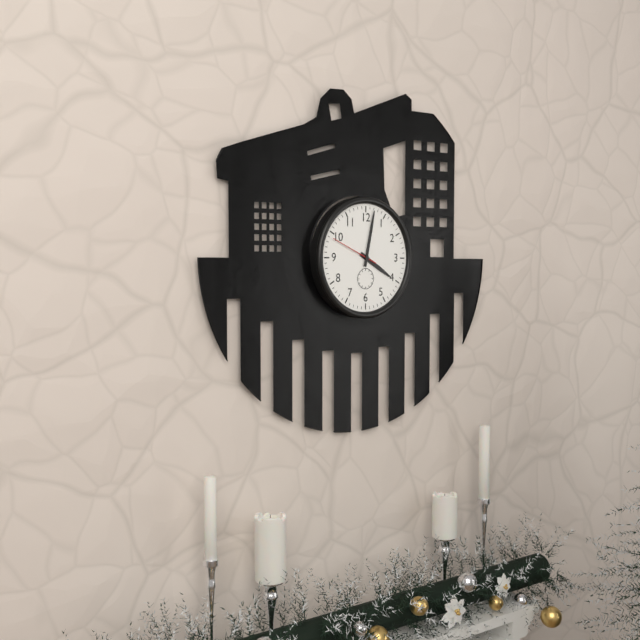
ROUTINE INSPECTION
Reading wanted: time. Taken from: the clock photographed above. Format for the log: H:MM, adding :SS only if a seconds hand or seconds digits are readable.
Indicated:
4:02
